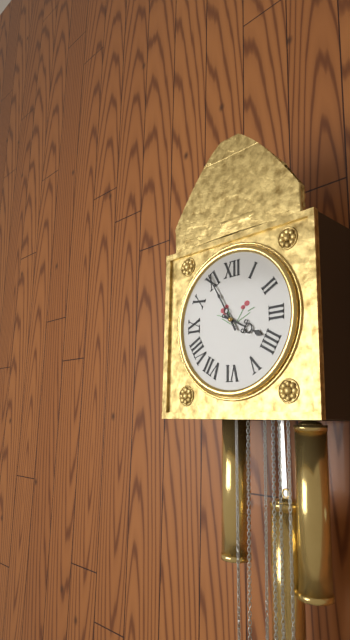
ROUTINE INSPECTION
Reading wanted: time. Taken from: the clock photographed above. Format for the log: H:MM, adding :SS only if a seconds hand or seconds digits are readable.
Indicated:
3:55
